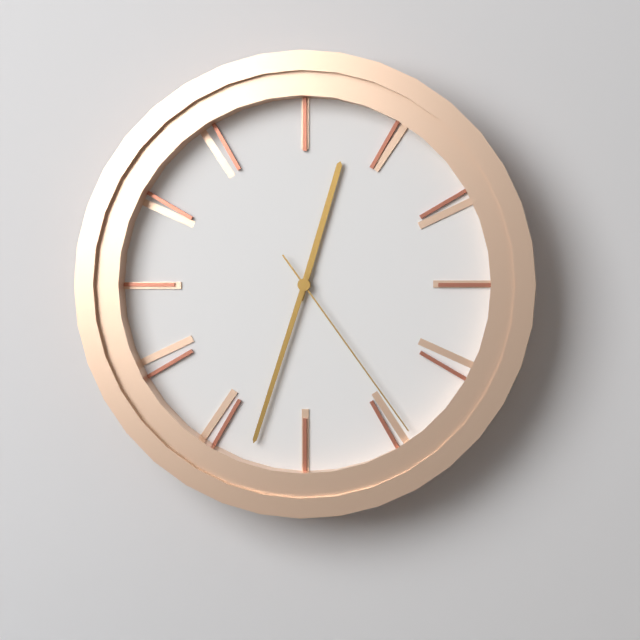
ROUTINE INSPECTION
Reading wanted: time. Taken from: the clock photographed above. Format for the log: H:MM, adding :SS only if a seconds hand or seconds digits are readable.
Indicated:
12:33:24
